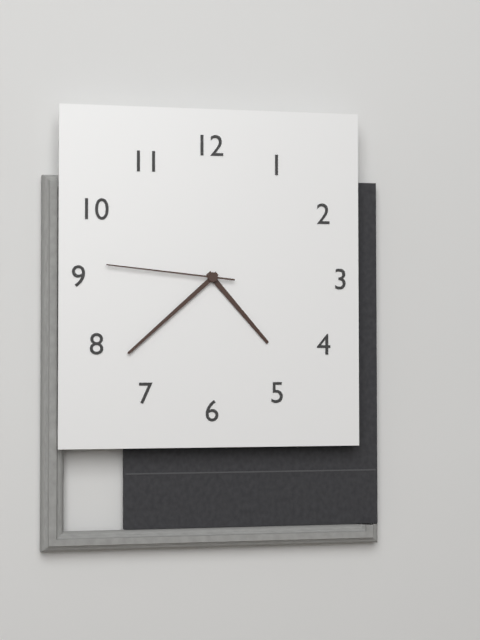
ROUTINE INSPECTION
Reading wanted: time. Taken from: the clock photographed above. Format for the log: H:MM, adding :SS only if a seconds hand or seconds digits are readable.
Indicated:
4:38:46
